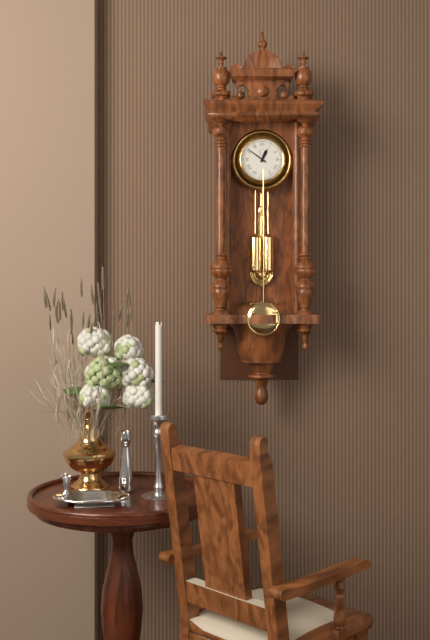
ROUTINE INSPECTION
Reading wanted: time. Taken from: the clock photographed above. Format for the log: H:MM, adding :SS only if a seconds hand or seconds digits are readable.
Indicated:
12:51
